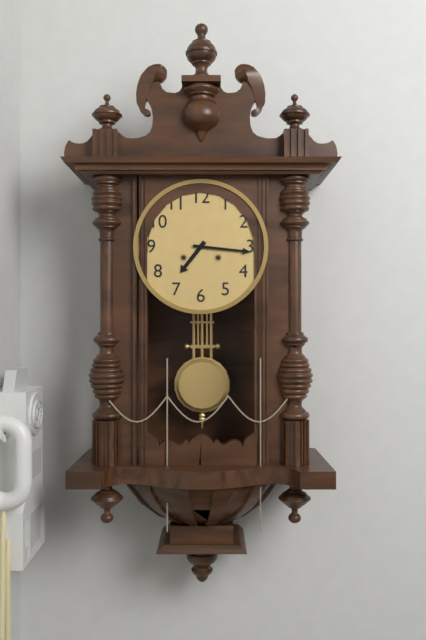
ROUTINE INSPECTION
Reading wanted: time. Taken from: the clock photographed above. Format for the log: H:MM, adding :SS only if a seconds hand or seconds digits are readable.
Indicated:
7:16
